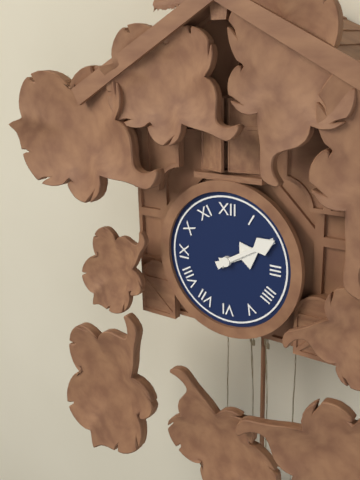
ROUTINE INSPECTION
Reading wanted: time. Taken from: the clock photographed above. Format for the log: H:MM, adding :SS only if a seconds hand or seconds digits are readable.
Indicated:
2:10
